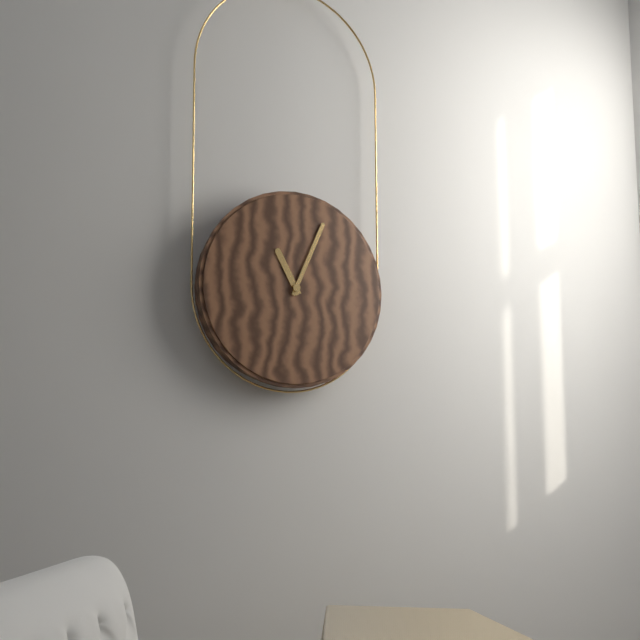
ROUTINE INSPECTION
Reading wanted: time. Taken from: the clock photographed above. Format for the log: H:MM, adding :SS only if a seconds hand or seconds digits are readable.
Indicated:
11:04
